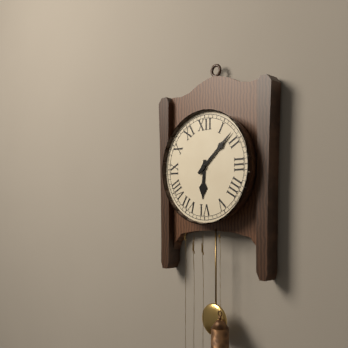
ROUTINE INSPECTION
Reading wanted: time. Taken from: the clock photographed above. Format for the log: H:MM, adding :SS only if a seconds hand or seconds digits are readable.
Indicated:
6:08
